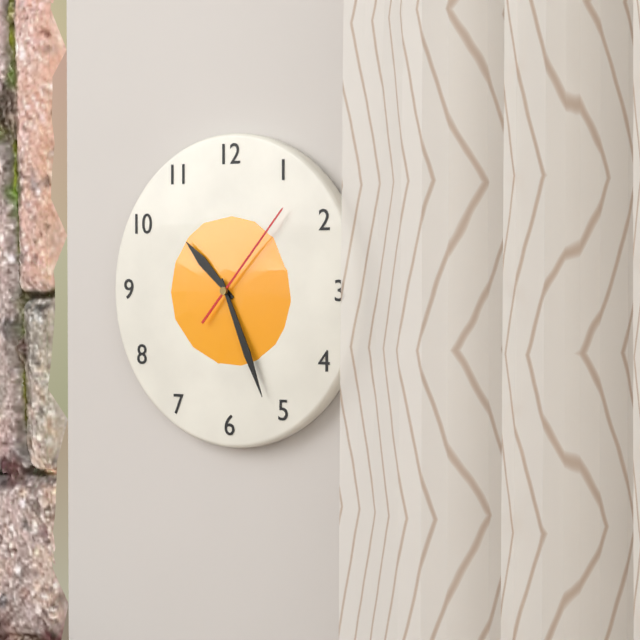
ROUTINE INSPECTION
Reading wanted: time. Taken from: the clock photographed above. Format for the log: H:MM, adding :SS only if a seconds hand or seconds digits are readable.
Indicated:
10:26:07
